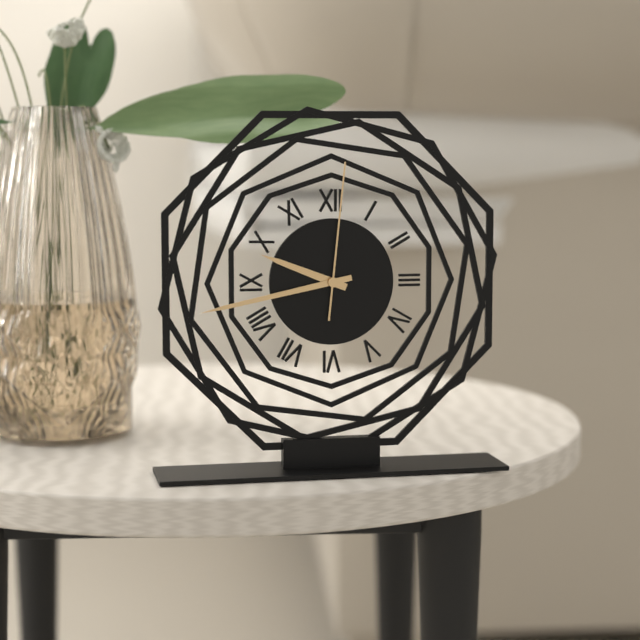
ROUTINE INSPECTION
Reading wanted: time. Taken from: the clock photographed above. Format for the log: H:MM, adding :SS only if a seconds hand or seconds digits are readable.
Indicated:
9:43:01
